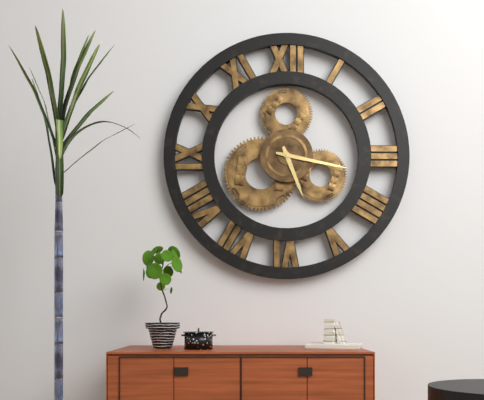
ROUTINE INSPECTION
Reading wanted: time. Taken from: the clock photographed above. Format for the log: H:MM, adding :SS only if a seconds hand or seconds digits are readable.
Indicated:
5:17
